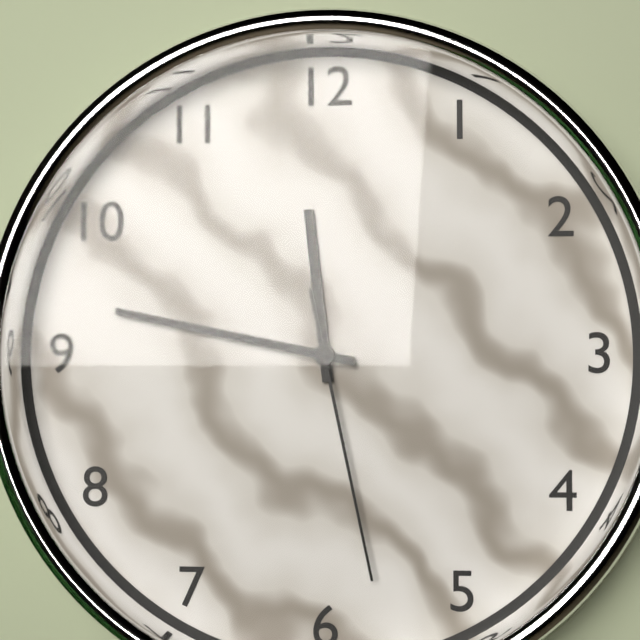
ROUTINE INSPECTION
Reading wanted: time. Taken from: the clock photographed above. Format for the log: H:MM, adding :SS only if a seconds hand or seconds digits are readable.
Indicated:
11:47:28
